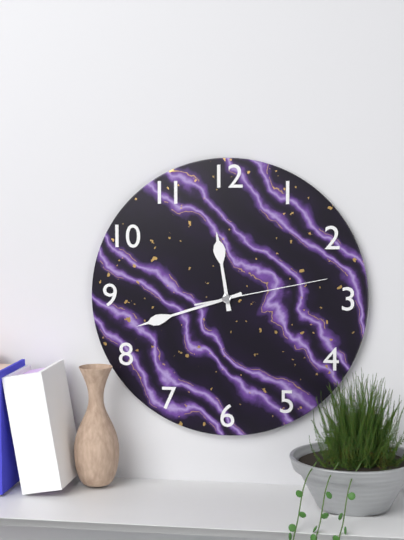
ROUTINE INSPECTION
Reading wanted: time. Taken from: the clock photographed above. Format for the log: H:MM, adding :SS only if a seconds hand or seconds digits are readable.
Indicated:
11:42:13
